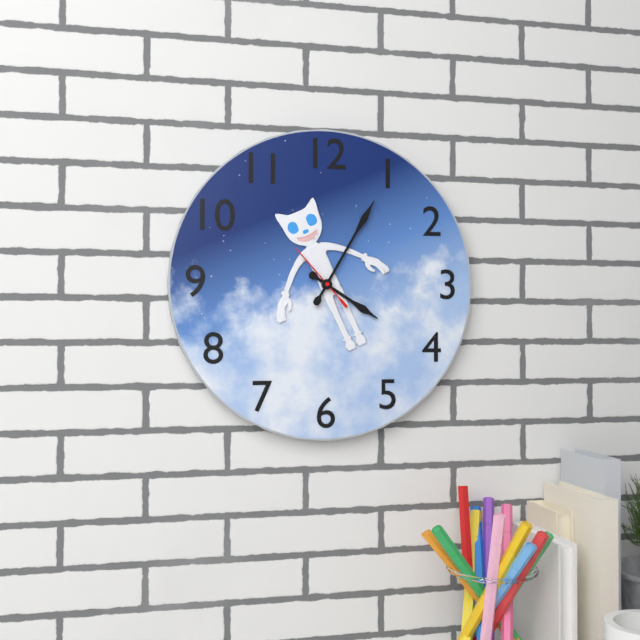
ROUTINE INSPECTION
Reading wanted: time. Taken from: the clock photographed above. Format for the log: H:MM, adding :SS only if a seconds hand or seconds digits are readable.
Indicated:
4:05:53
